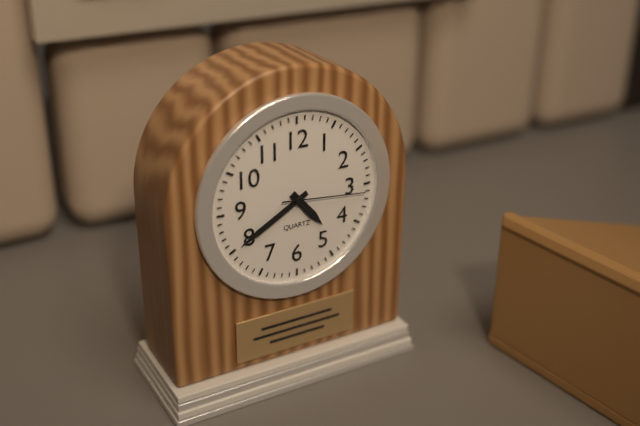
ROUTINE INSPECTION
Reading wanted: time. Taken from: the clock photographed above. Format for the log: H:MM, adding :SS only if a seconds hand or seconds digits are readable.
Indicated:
4:40:16
